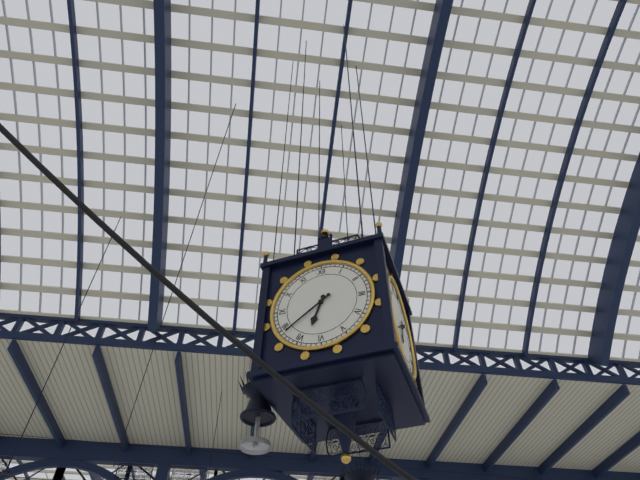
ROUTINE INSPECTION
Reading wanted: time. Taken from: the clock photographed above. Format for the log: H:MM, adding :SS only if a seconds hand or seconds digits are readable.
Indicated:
6:39
